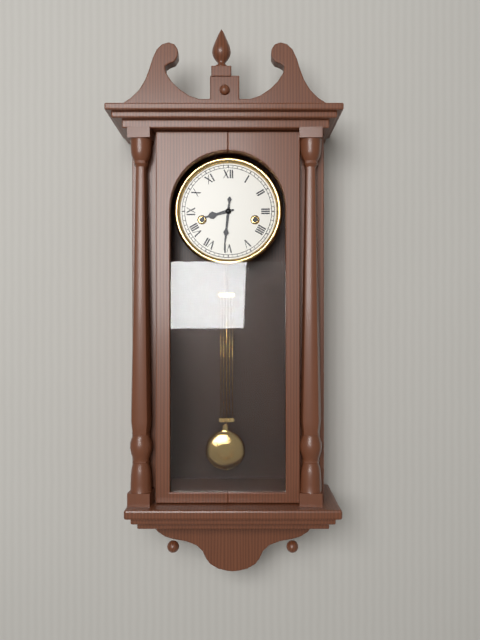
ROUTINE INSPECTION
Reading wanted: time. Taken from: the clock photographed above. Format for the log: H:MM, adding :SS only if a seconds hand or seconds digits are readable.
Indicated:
8:31
